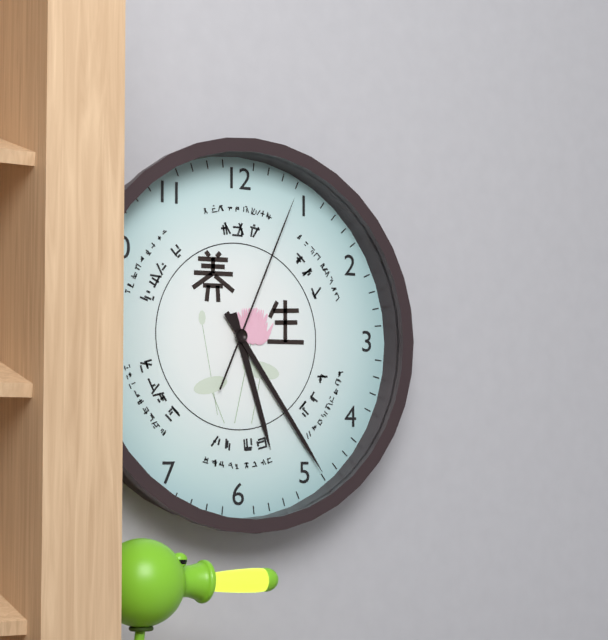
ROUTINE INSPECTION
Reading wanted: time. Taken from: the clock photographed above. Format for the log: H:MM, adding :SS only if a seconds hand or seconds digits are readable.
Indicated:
5:24:04
